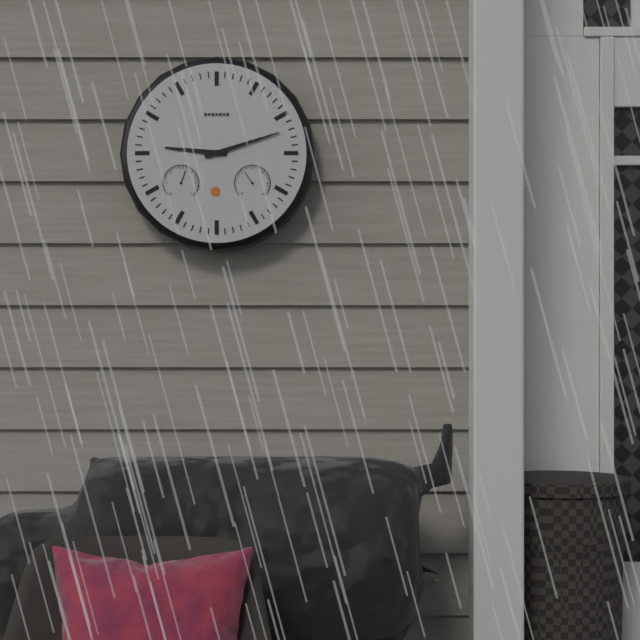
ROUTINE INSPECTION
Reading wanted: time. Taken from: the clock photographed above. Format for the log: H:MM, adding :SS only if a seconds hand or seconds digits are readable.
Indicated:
9:12
